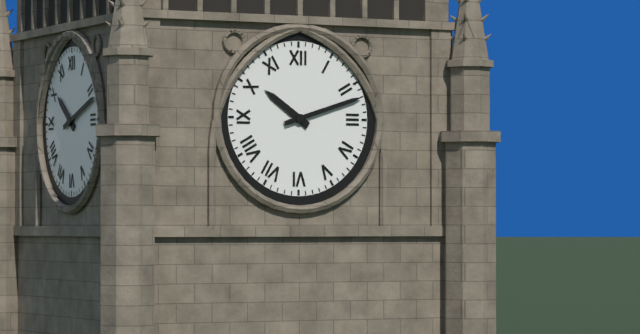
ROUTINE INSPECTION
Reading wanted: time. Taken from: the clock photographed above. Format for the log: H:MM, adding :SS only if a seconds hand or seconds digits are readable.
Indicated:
10:12
